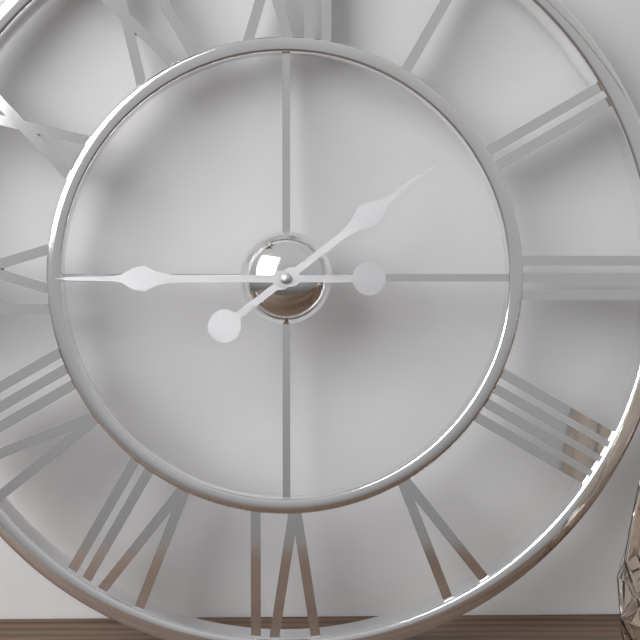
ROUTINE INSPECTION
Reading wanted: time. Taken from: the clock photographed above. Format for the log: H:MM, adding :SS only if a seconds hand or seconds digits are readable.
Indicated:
1:45
